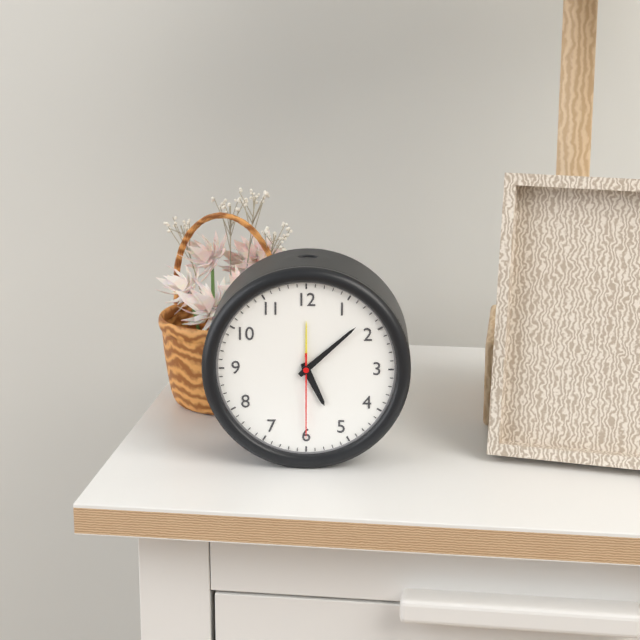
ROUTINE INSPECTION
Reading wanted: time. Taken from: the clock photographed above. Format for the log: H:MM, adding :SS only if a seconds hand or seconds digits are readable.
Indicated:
5:08:30
